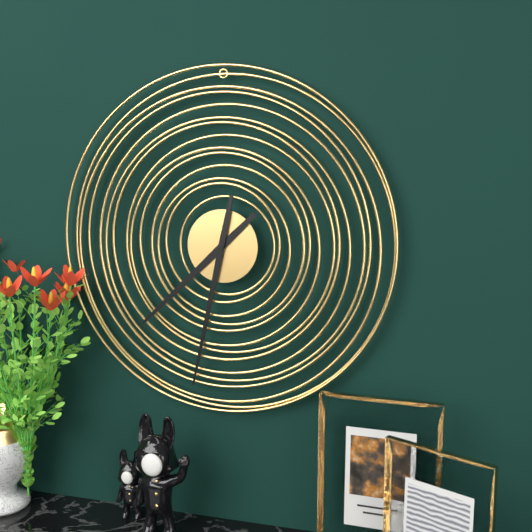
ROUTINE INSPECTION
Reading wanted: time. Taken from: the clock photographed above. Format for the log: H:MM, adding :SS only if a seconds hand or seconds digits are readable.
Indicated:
7:32
